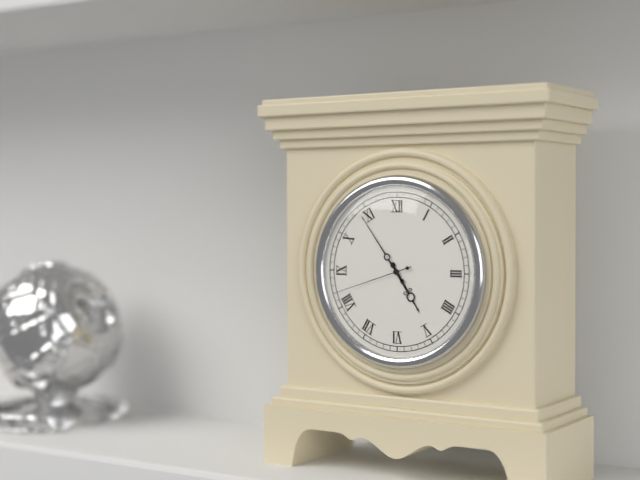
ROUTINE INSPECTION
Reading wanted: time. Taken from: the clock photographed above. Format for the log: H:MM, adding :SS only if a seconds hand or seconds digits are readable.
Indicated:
4:54:42
